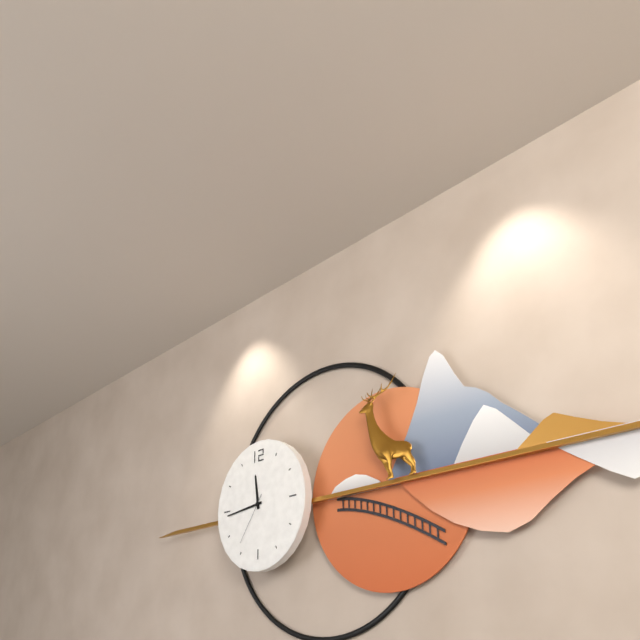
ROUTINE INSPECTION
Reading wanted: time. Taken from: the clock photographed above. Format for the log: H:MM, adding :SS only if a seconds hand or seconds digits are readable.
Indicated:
11:44:36
